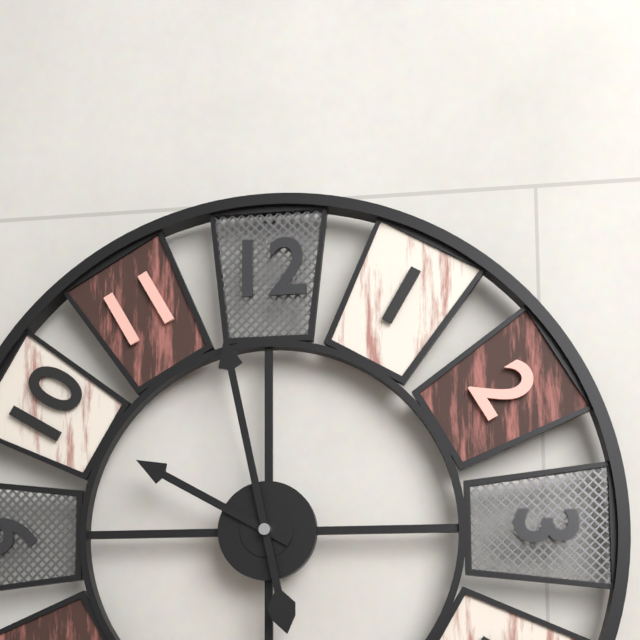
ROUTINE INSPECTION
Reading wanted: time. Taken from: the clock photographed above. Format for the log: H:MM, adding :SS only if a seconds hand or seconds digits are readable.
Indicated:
9:58
